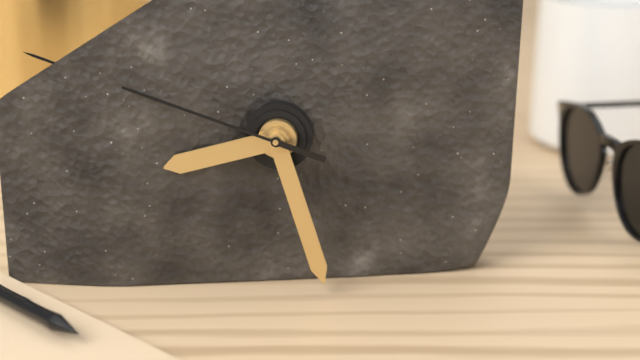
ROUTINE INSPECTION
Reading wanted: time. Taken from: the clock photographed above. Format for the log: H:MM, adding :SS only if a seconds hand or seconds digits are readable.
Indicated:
8:27:48
